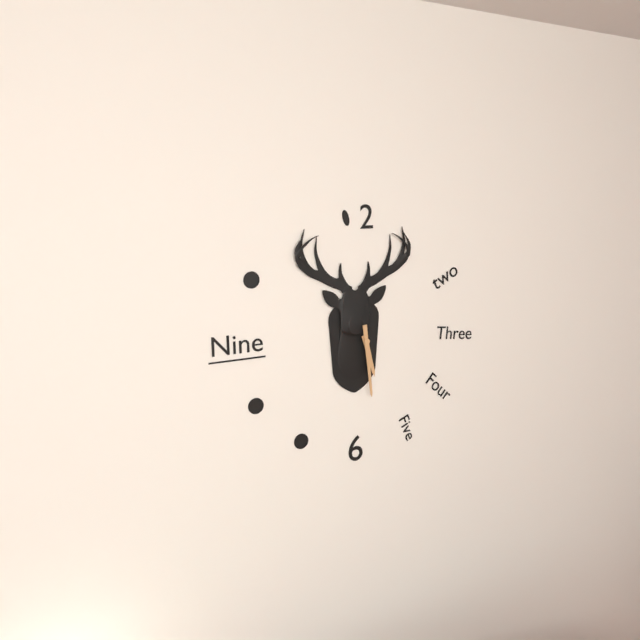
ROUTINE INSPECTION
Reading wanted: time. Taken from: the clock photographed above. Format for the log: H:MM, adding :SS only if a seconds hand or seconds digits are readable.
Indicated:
5:29
